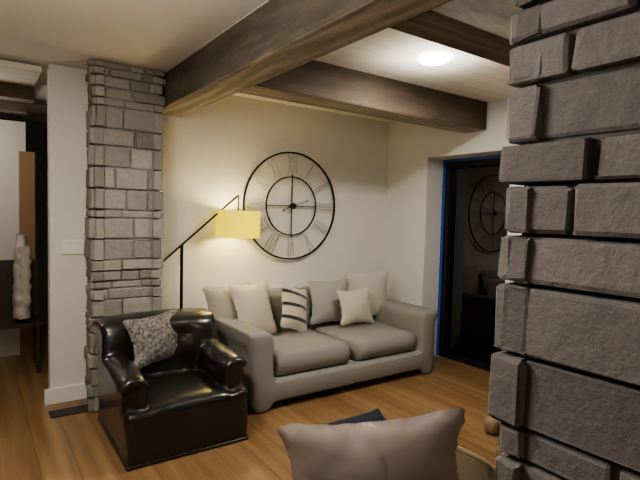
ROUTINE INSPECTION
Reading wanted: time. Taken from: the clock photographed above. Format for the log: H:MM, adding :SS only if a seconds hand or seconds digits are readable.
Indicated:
8:12
